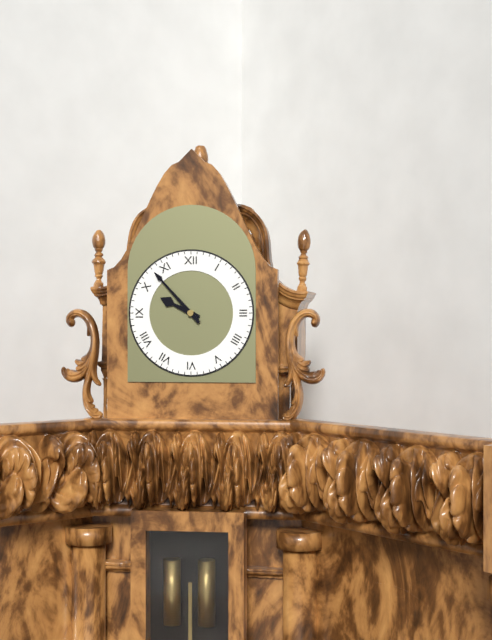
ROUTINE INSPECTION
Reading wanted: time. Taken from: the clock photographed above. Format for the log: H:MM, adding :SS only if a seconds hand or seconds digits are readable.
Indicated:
9:53
